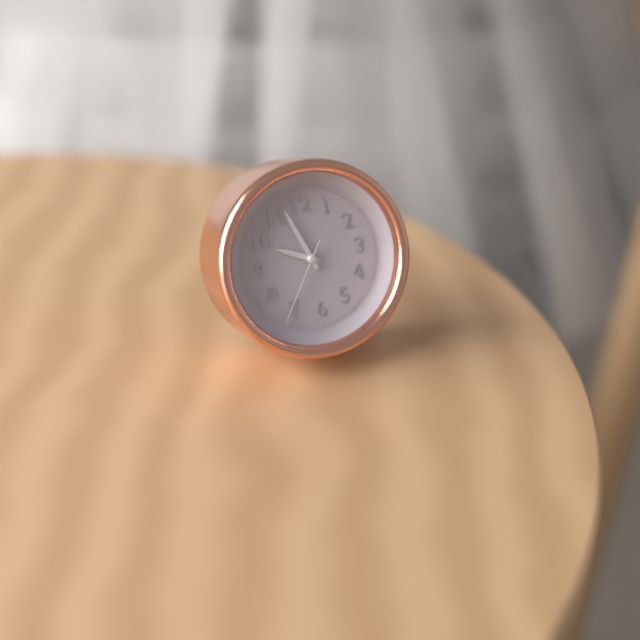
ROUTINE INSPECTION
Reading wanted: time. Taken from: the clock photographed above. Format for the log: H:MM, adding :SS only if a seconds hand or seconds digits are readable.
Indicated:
9:57:36
